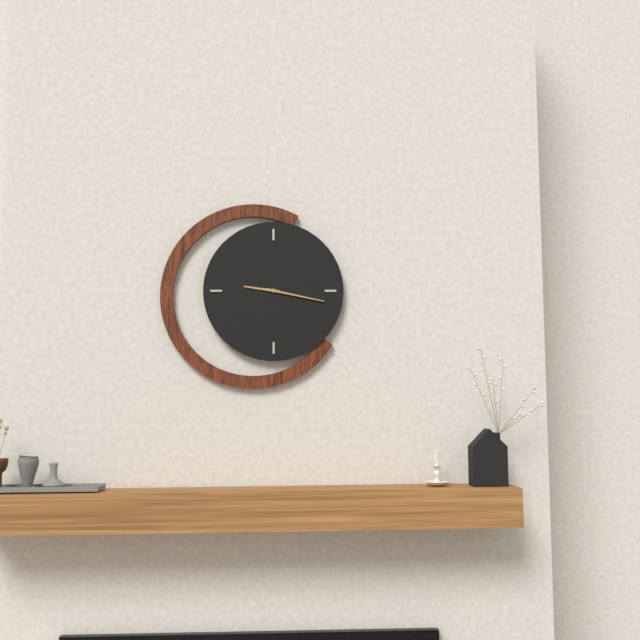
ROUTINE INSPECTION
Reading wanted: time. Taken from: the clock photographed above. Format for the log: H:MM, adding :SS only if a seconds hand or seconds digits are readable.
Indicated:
9:17
